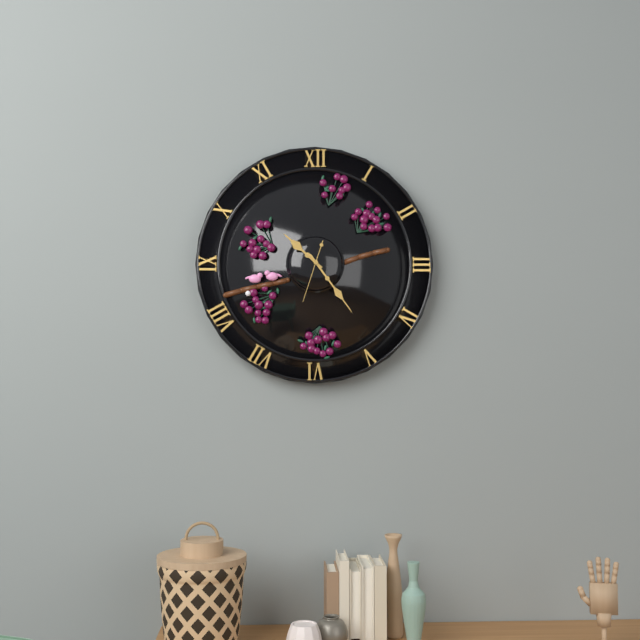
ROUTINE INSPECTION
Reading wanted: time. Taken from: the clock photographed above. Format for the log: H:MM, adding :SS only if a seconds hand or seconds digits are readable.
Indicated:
10:24
